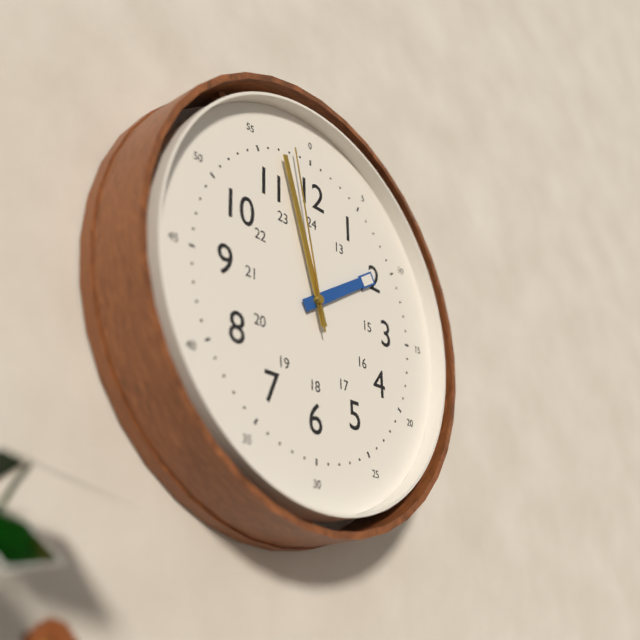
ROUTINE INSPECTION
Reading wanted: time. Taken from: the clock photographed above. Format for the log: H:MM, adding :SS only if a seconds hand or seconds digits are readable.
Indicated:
1:57:58
